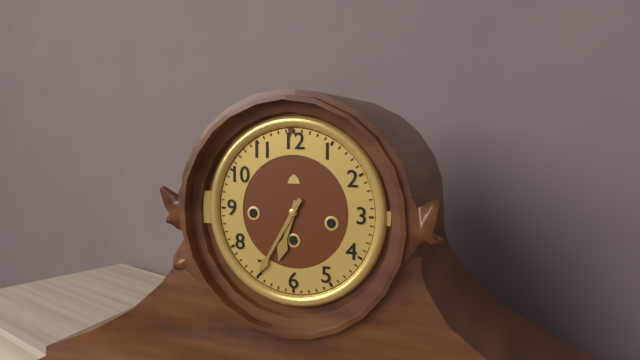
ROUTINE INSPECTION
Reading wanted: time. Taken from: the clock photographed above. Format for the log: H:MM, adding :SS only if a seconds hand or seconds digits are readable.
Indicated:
6:35
